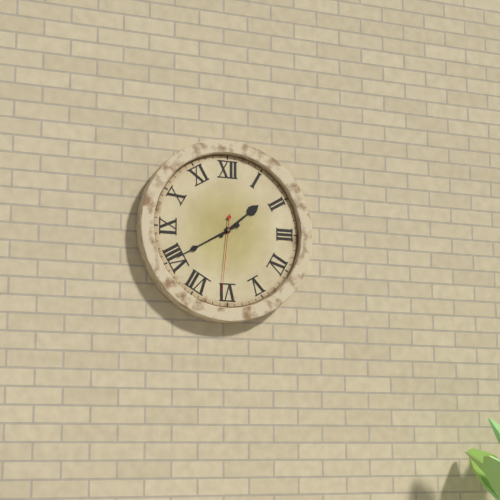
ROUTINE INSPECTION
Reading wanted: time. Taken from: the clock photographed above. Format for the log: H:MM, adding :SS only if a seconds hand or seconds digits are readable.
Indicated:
1:40:31
